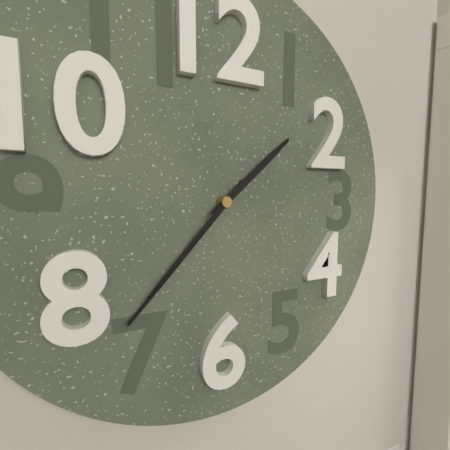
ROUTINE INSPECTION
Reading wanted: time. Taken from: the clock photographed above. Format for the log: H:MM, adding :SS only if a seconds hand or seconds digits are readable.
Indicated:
1:37
